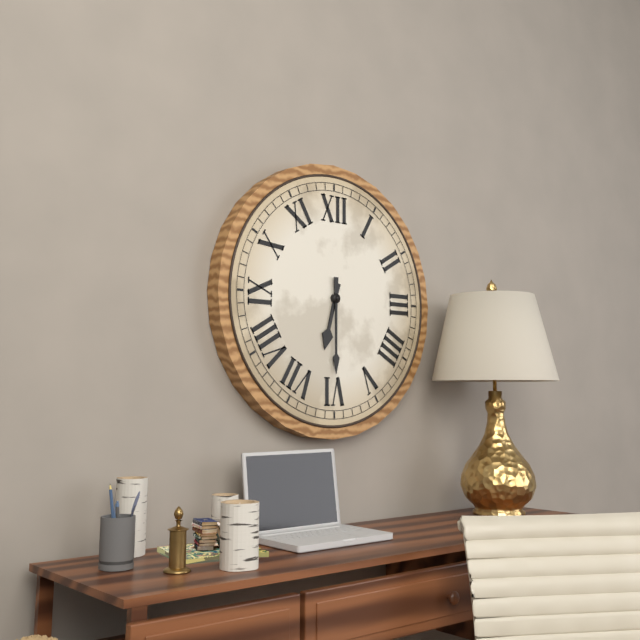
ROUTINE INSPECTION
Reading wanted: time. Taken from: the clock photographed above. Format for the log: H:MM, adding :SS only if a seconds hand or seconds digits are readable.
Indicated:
6:30
